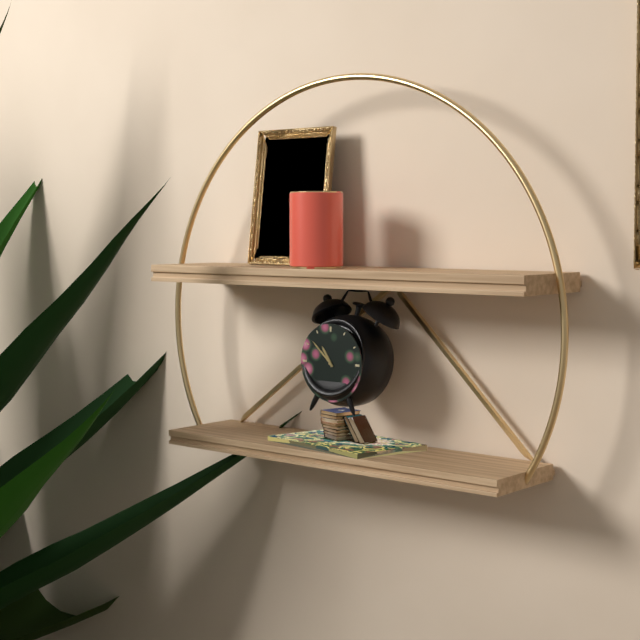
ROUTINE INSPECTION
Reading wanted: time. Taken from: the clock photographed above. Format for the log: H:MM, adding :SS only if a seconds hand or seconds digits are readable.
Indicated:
10:52
